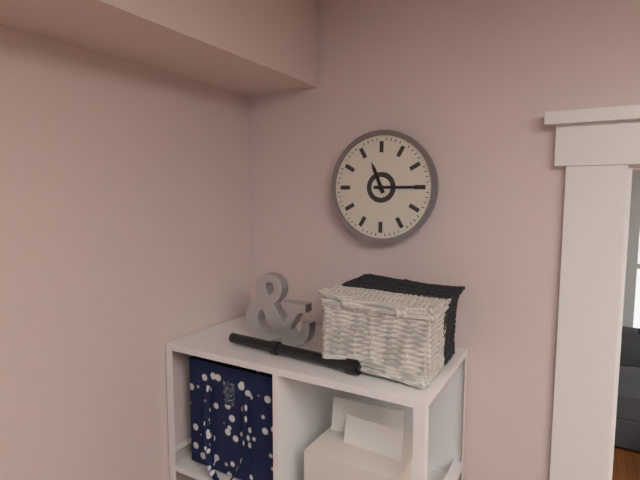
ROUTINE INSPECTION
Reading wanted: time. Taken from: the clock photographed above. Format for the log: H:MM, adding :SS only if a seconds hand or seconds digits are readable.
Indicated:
11:15
